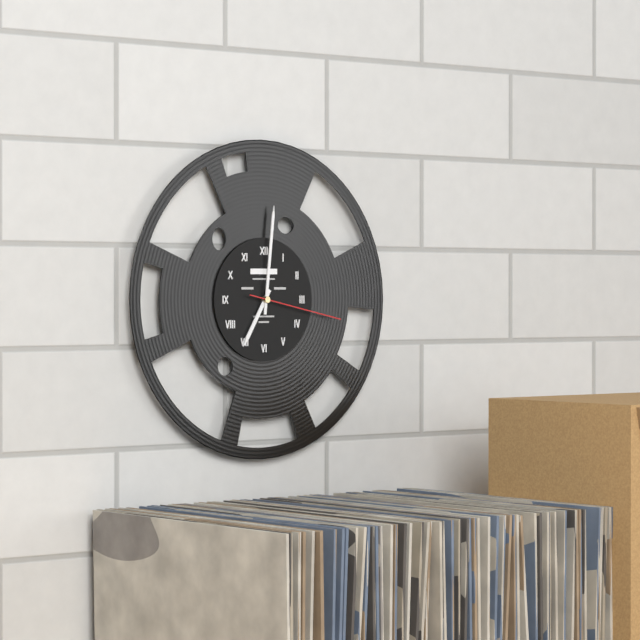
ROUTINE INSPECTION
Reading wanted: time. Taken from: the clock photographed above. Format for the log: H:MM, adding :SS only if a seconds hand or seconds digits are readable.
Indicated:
7:01:17
